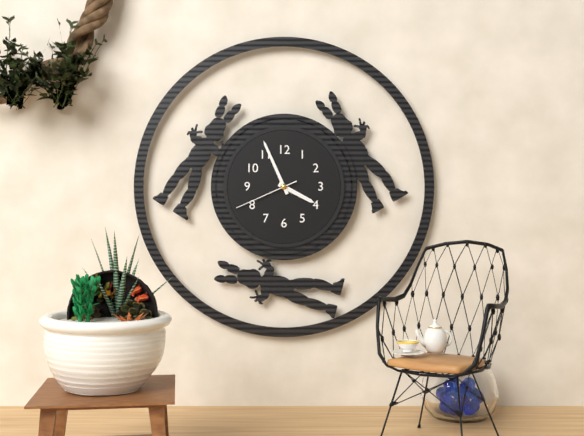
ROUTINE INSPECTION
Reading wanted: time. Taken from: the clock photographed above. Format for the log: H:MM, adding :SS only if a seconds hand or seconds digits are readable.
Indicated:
3:56:41
